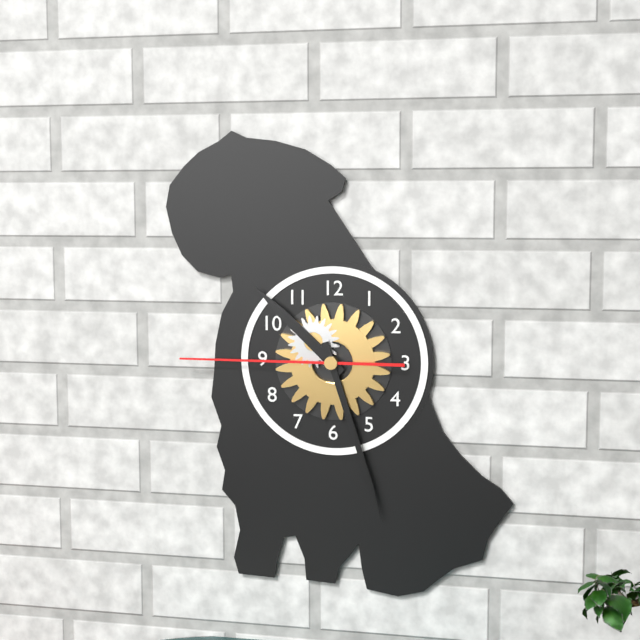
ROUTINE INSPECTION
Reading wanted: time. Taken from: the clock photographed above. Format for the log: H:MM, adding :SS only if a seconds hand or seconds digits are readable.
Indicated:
10:27:45
